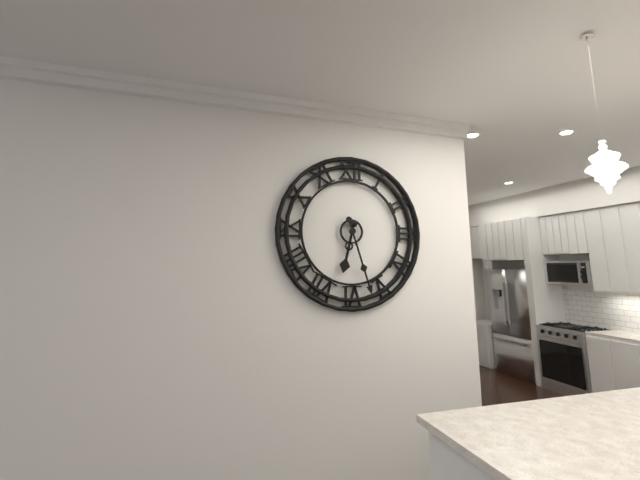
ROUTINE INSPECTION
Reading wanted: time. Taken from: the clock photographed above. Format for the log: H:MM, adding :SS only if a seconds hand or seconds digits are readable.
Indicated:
6:27
